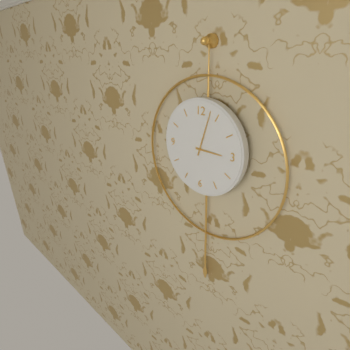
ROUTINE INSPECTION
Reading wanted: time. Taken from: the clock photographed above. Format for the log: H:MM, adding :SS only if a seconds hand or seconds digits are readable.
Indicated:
3:03
